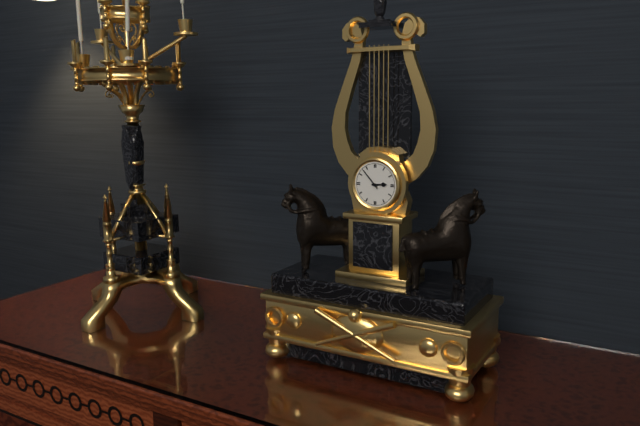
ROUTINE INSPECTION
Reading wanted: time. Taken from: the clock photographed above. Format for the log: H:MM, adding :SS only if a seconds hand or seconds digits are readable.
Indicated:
2:53
